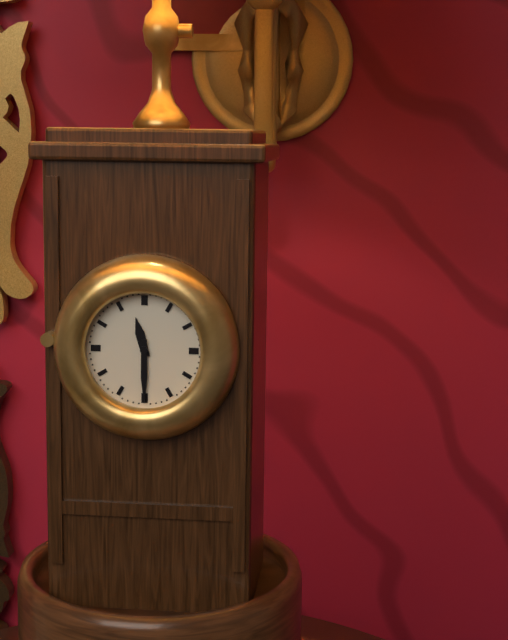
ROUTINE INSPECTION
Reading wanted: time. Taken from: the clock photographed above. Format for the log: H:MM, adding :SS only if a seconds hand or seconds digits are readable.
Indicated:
11:30
